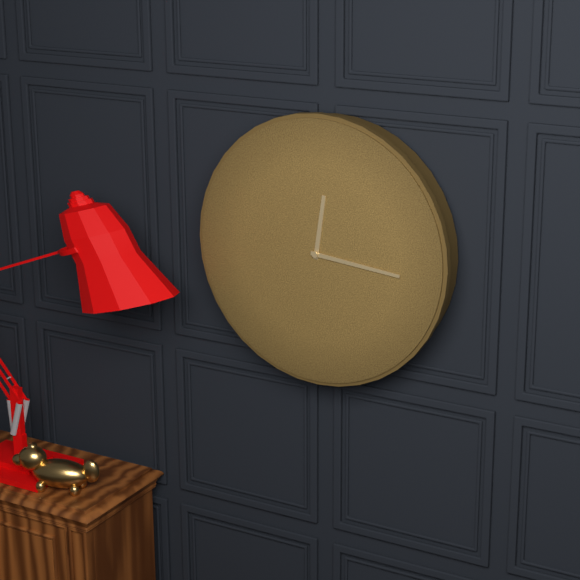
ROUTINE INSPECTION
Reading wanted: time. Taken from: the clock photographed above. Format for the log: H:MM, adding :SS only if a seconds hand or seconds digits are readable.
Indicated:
12:16
